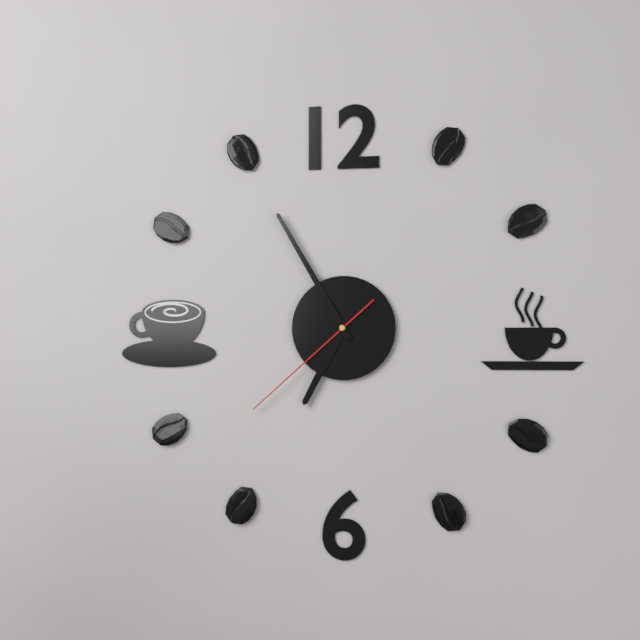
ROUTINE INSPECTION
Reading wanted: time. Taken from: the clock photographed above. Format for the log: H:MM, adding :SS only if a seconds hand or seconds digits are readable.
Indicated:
6:55:38
